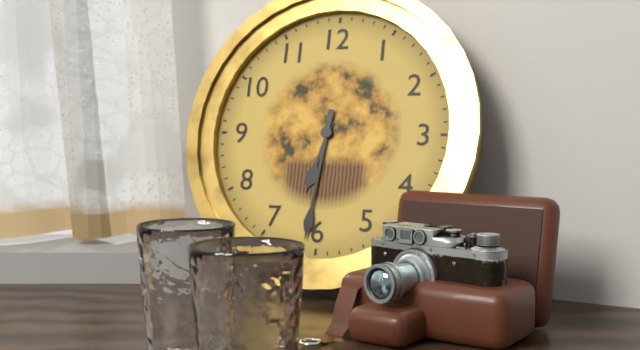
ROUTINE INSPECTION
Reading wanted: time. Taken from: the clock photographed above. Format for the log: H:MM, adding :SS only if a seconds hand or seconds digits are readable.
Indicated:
6:31
